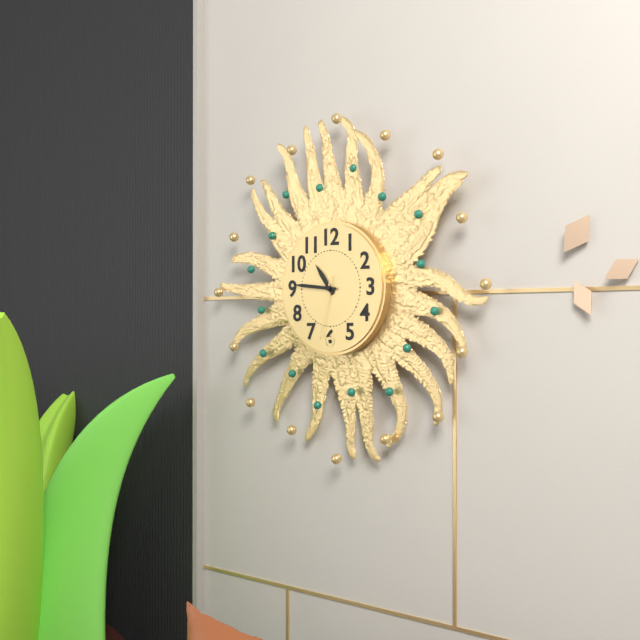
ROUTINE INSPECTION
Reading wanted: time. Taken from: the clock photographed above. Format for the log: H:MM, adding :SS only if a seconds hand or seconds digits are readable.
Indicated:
10:46:32
